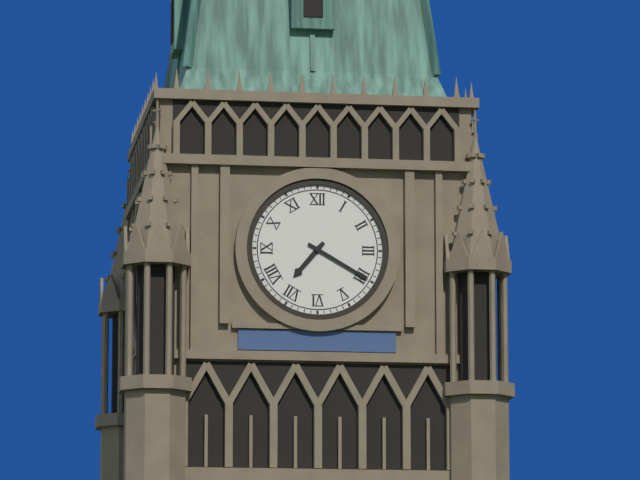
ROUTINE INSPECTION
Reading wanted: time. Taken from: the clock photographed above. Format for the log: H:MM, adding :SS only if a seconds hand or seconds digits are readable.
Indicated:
7:20
